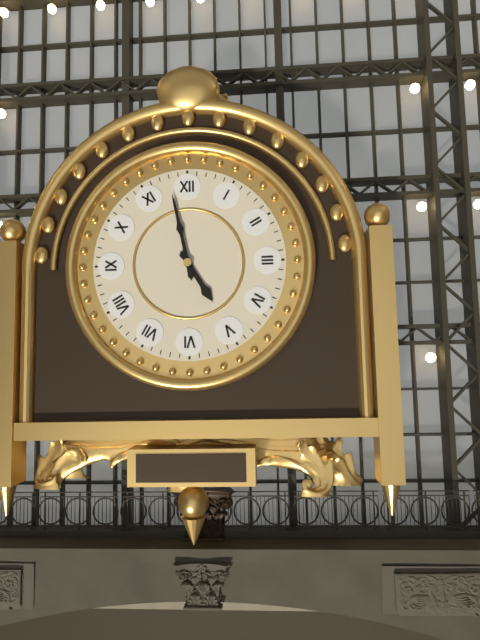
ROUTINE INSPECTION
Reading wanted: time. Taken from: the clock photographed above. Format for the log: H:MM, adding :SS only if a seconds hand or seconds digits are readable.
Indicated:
4:58
